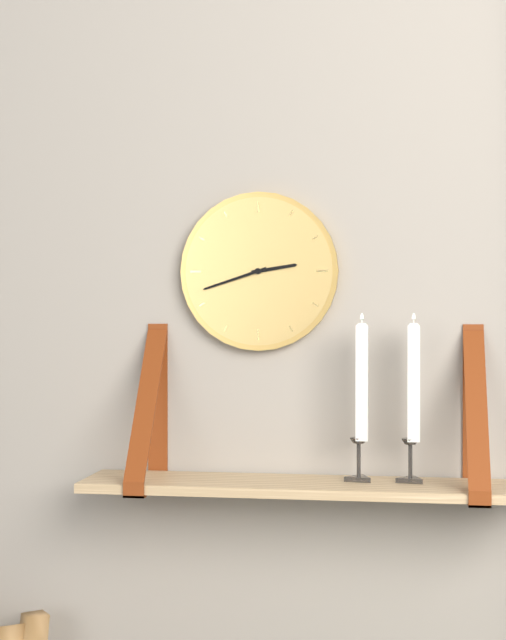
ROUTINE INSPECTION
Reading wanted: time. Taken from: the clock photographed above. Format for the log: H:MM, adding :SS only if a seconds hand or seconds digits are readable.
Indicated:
2:42
